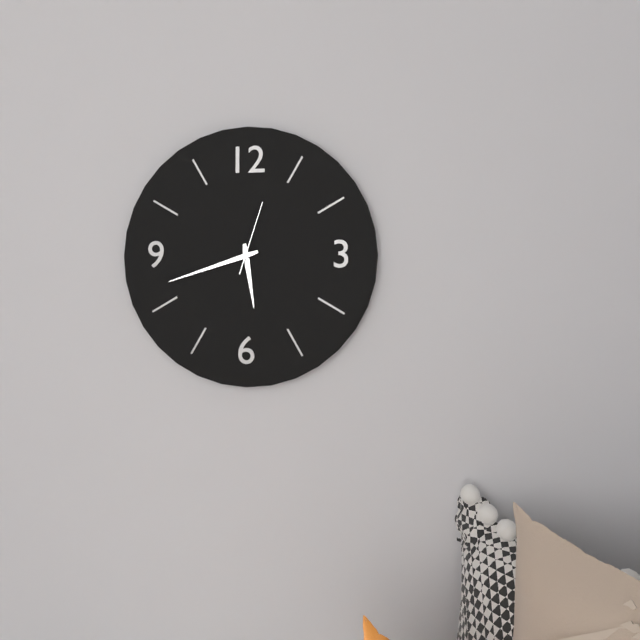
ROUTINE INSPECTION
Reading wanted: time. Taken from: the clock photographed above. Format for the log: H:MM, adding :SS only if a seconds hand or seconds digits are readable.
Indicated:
5:42:03
